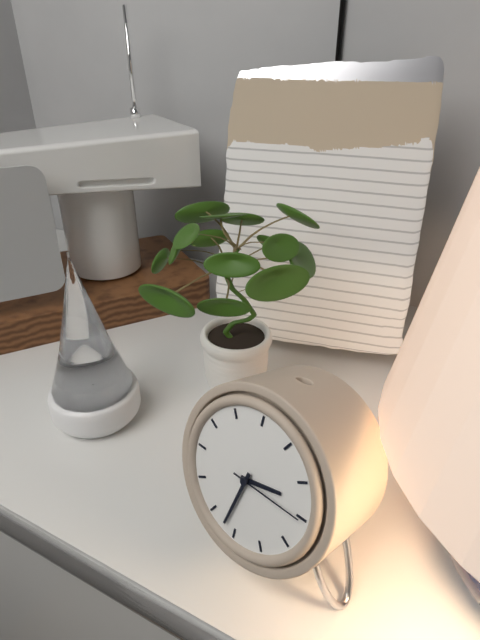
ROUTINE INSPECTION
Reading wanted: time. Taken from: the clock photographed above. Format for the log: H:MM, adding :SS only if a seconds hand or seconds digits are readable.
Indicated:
2:32:15
